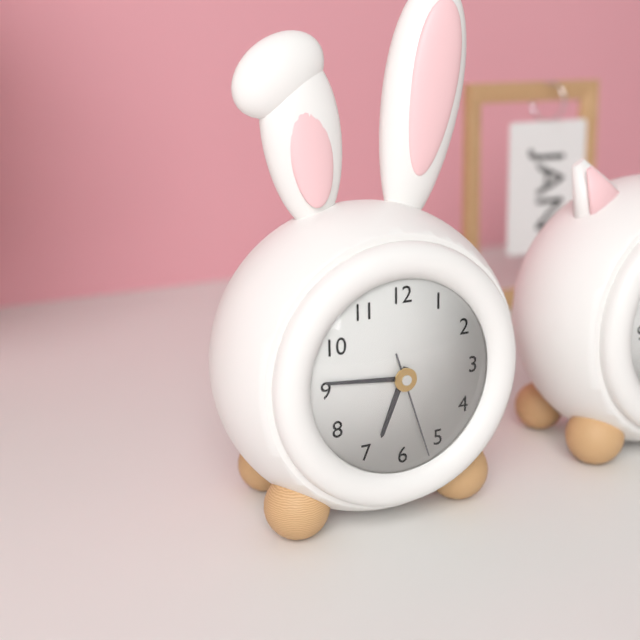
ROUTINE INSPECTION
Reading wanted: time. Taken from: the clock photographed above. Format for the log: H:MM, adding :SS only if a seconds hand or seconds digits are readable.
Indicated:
6:46:27
